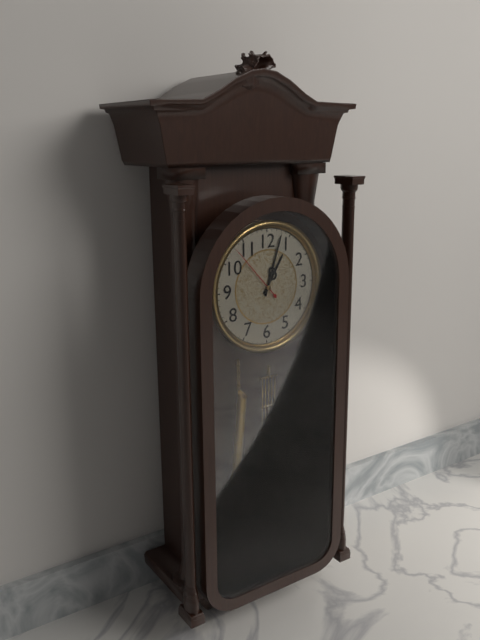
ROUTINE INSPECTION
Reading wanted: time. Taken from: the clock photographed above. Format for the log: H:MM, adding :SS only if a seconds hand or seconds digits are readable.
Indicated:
1:03:53
